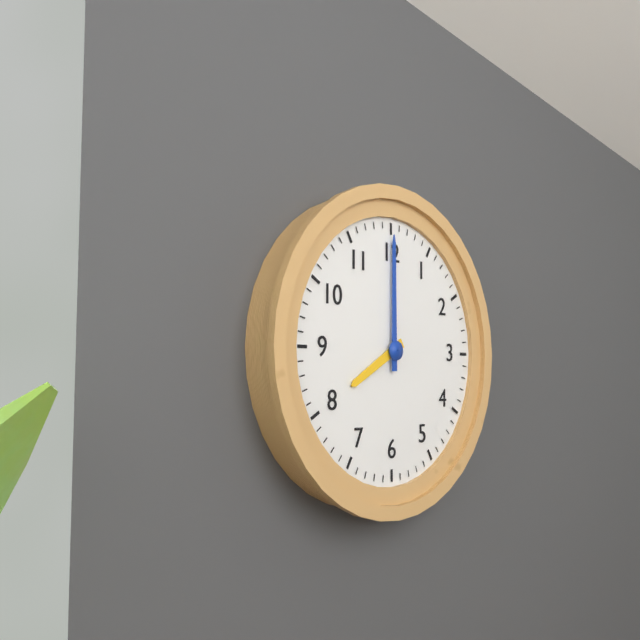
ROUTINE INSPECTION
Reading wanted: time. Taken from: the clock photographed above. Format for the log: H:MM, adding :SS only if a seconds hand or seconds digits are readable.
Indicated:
8:00
